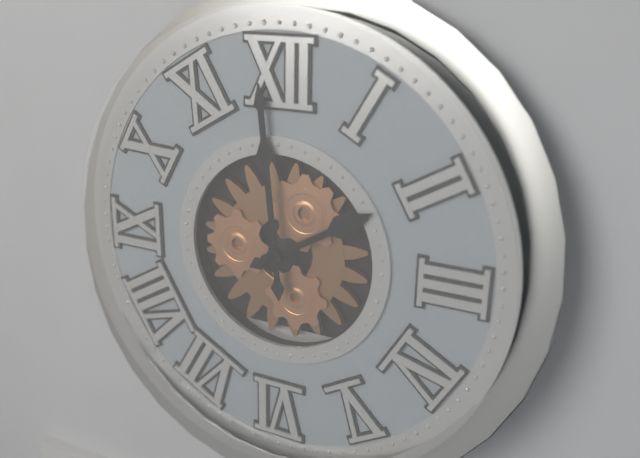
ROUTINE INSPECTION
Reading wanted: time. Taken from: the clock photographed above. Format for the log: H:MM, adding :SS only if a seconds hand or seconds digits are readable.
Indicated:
1:59
